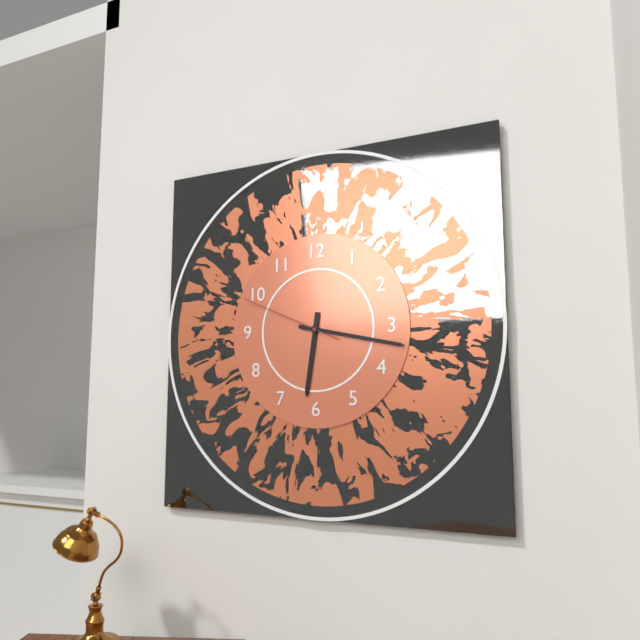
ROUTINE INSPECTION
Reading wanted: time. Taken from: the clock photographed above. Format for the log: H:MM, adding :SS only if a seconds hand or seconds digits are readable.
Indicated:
6:17:49
